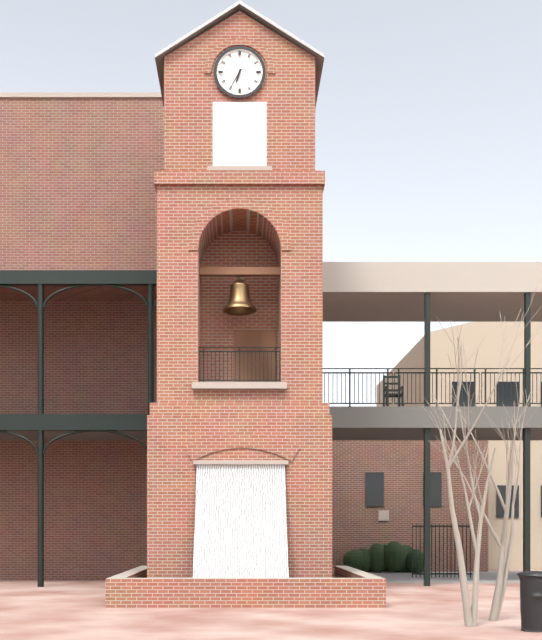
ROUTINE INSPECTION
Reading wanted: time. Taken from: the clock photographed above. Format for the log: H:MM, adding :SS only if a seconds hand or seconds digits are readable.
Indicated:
6:35
